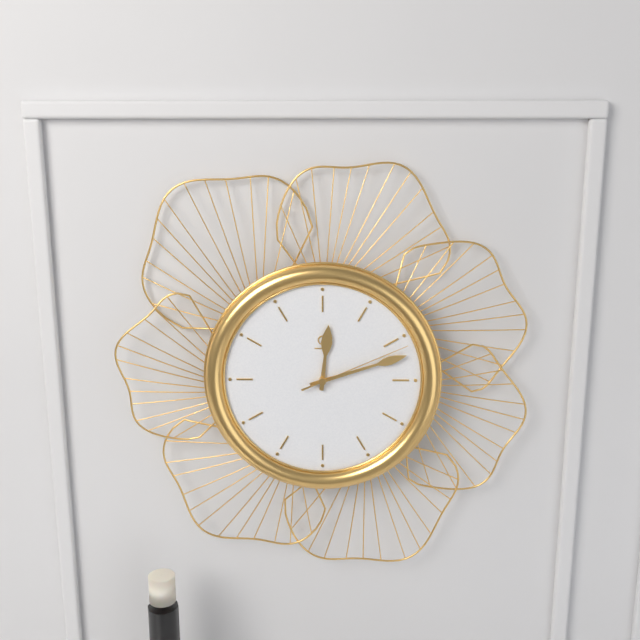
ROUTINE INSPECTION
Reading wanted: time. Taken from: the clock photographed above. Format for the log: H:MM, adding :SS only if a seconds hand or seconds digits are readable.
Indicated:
12:12:11
